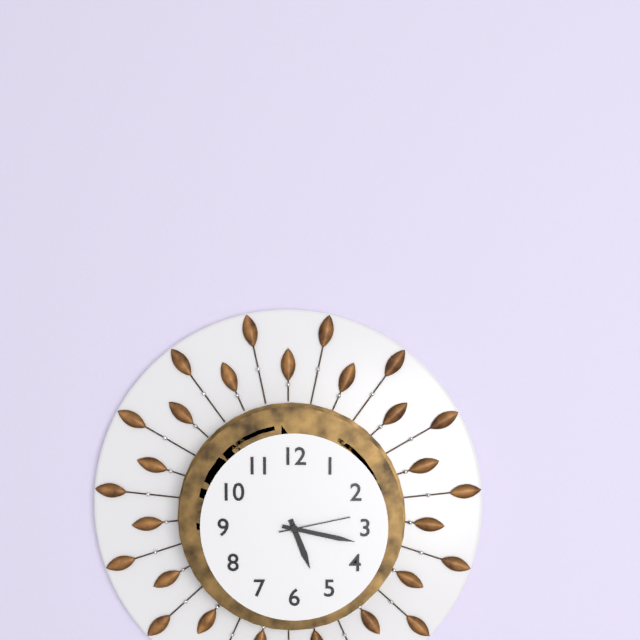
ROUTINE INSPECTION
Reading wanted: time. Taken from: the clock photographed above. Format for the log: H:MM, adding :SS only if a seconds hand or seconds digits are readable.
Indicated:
5:17:13
